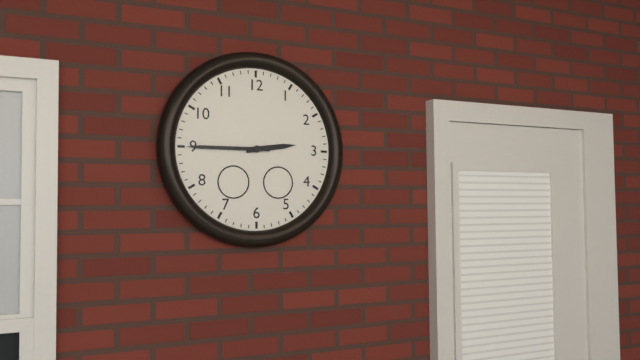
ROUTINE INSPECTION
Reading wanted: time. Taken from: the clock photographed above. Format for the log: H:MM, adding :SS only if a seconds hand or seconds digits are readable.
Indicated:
2:45
